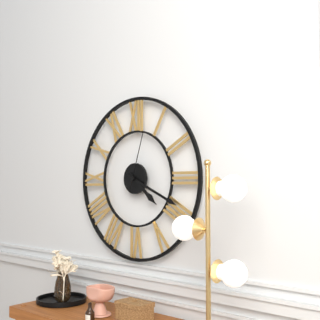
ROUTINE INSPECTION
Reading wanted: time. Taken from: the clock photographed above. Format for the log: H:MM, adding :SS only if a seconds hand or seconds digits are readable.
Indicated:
4:19:03
